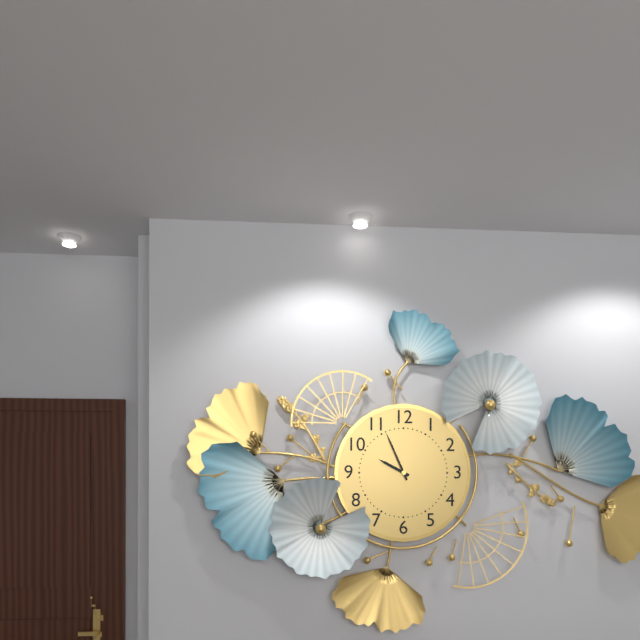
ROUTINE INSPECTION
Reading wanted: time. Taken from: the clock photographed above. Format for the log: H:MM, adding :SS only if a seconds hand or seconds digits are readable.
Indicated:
9:56
